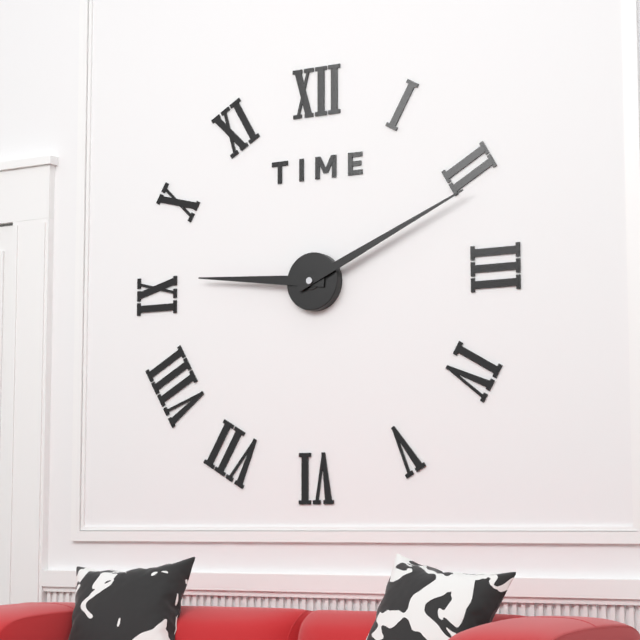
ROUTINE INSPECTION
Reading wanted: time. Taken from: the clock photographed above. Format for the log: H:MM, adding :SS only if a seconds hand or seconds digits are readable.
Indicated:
9:11
